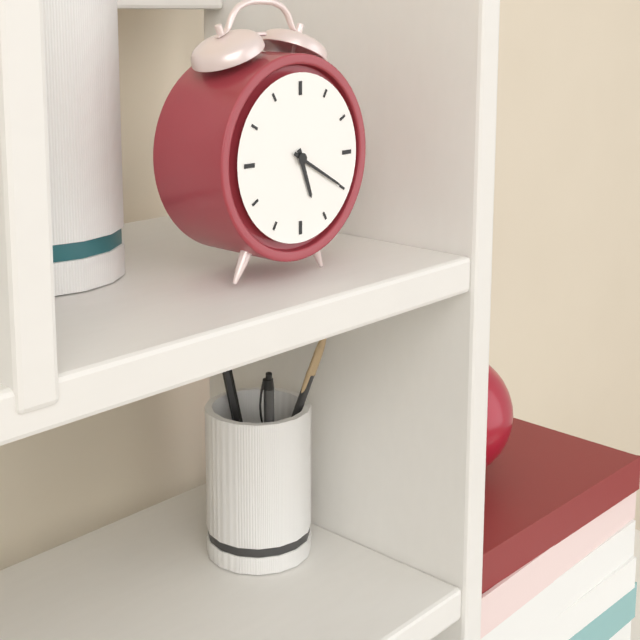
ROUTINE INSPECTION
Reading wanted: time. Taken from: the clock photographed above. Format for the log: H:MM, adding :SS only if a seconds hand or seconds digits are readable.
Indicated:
5:20
